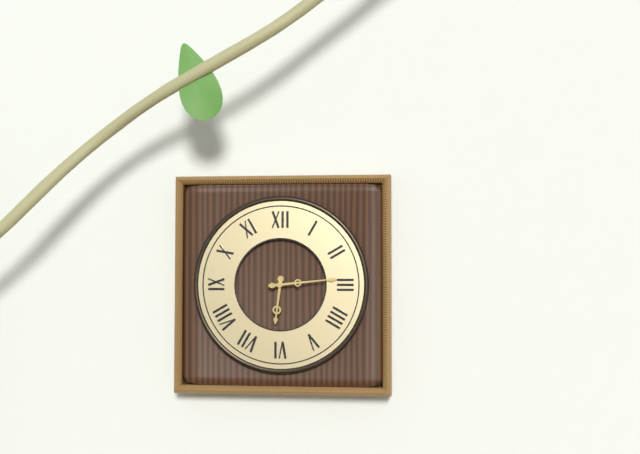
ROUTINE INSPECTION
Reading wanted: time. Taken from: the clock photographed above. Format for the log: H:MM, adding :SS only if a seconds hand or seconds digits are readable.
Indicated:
6:14
